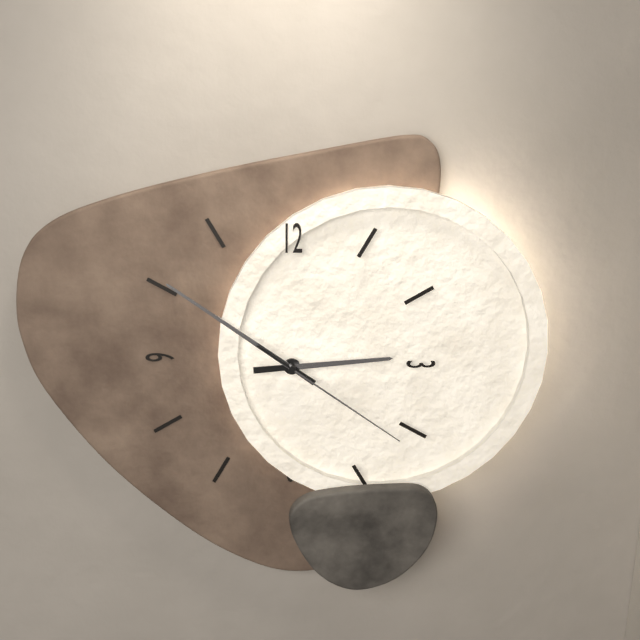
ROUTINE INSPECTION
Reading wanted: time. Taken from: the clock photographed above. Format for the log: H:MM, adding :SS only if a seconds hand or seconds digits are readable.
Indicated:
2:51:21
